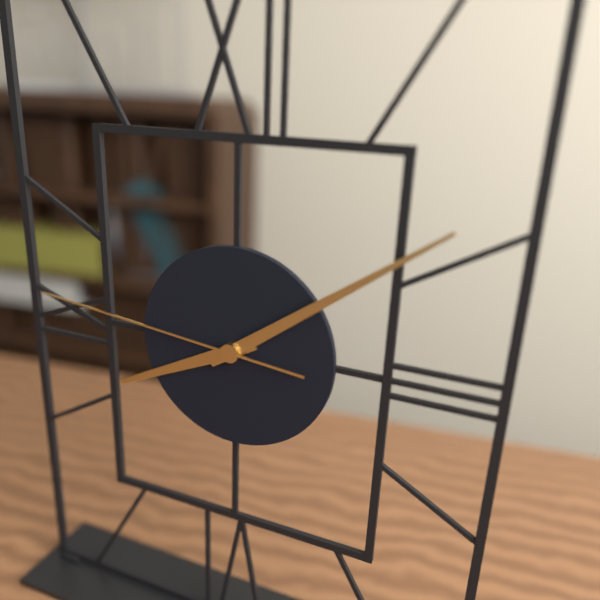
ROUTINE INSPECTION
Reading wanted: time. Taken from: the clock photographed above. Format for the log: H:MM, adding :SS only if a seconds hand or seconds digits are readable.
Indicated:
8:09:46
